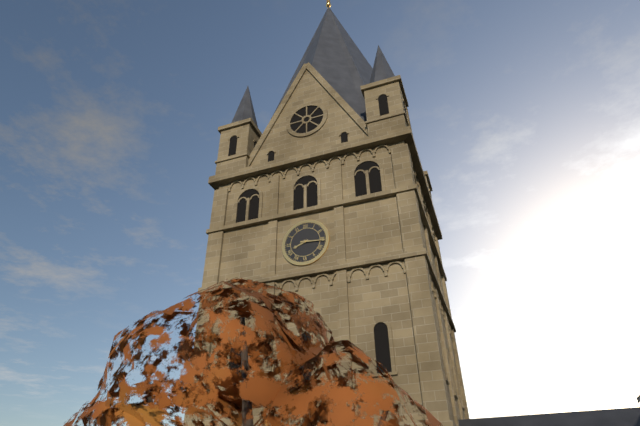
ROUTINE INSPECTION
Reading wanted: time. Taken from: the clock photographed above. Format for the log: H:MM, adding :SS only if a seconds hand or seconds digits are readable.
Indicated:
8:16
